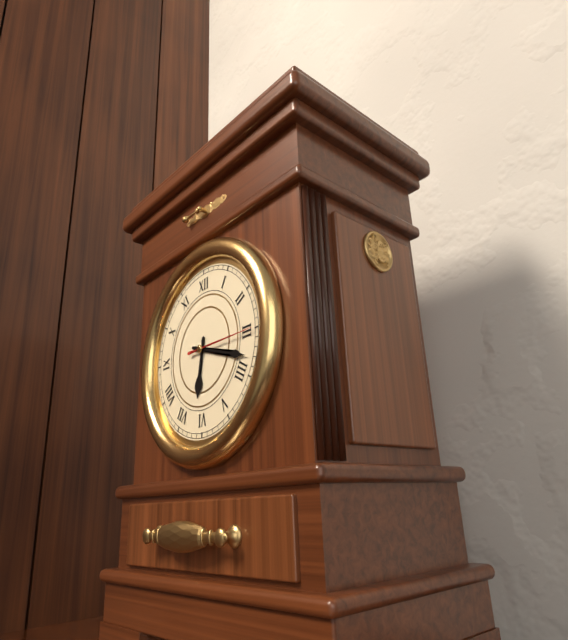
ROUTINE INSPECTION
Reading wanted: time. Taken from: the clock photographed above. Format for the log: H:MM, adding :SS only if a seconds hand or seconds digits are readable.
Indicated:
6:18:15
